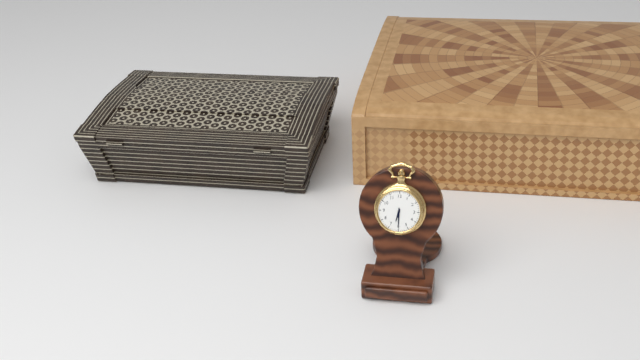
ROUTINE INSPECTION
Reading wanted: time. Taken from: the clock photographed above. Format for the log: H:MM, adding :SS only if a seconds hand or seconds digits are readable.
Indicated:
6:30
